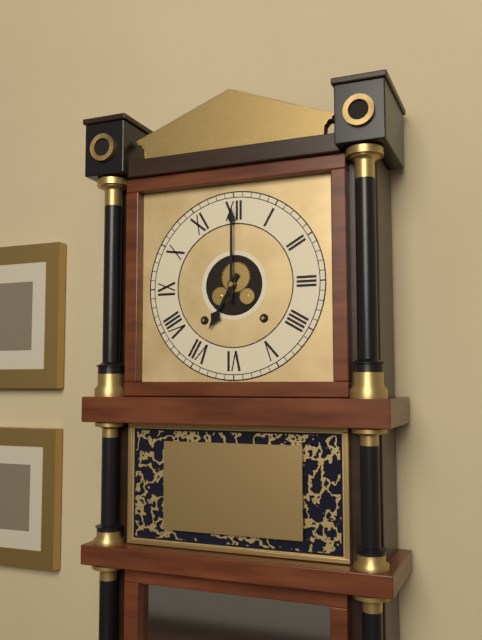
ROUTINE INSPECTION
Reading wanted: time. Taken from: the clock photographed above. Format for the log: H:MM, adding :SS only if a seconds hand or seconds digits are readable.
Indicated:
7:00
